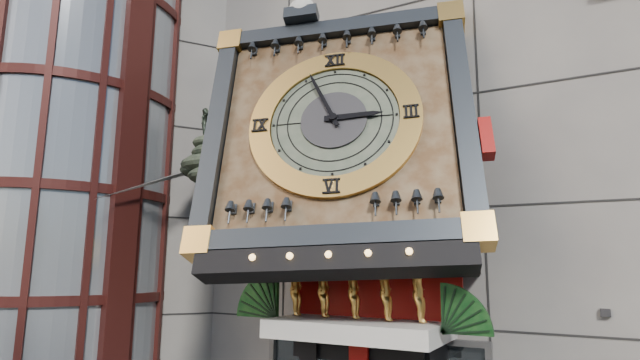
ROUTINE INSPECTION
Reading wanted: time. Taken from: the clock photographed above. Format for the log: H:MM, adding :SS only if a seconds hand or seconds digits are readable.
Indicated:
2:56
